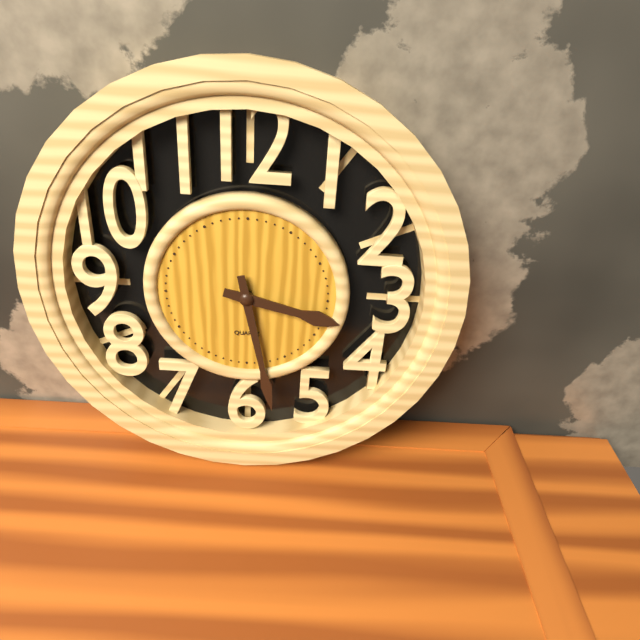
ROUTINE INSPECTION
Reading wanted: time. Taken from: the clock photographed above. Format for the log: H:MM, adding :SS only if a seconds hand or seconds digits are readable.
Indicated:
3:28
